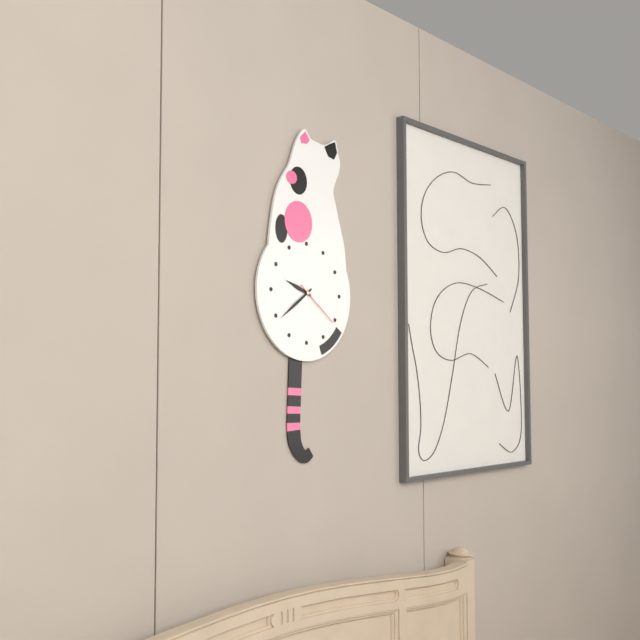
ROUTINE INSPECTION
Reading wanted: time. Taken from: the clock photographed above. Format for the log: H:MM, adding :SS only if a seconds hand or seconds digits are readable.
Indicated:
9:39
